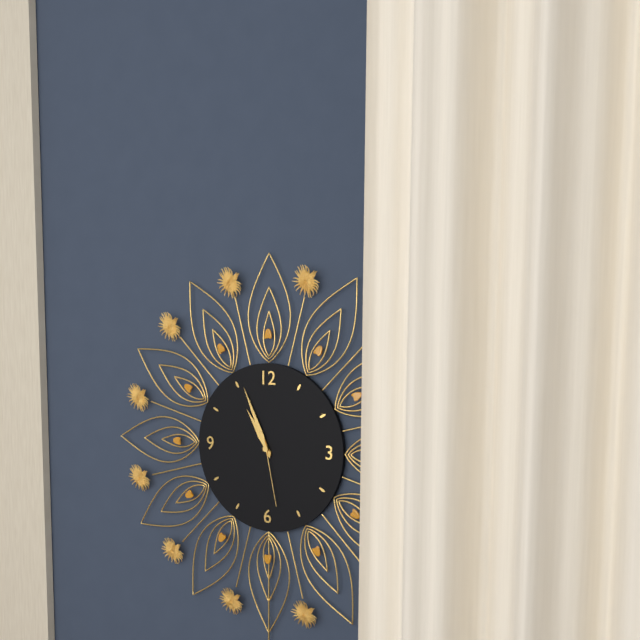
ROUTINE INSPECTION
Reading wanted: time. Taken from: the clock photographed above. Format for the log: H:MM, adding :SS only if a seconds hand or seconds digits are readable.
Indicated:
10:56:28
